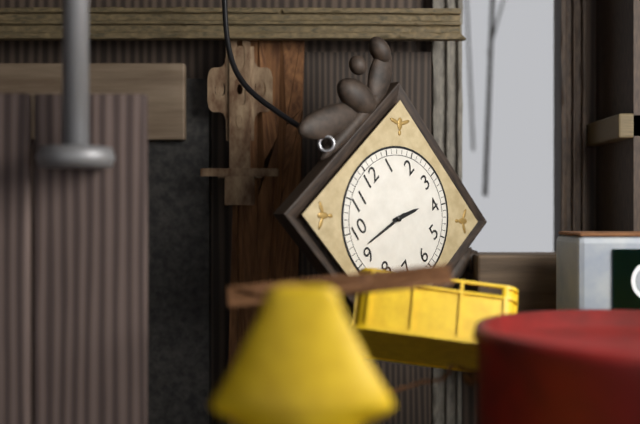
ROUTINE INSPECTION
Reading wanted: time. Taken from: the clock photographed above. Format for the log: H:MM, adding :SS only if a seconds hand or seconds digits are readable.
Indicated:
3:47
